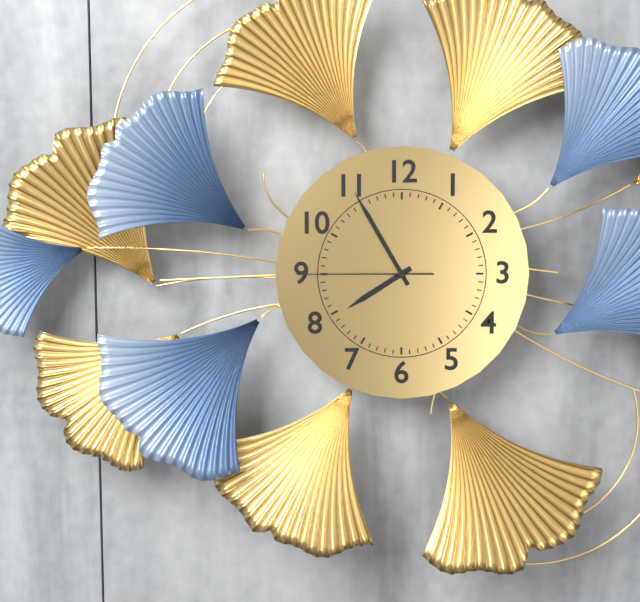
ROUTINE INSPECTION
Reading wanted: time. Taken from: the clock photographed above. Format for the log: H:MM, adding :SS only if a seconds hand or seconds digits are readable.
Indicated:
7:55:45
